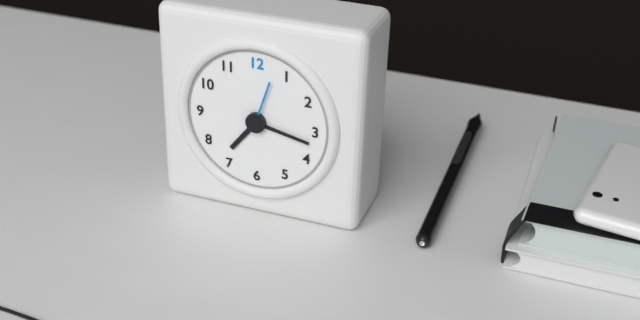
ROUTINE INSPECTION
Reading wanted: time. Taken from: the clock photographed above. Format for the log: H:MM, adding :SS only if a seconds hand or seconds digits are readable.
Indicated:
7:17:03
